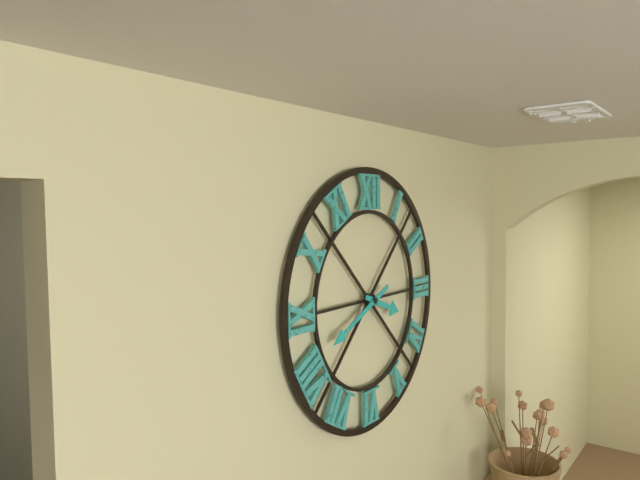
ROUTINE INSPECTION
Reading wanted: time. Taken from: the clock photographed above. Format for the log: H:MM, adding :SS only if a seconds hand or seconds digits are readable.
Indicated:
3:41
